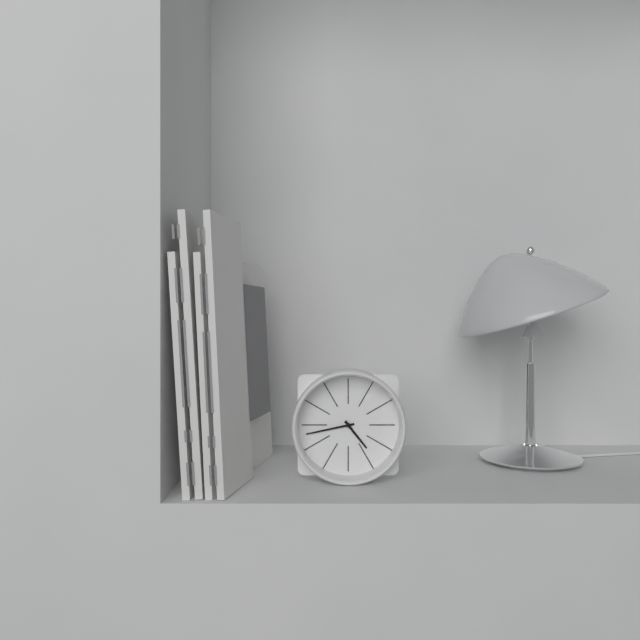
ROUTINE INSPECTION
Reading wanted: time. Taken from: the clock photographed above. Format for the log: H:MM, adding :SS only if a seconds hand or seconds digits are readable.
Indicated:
4:43
